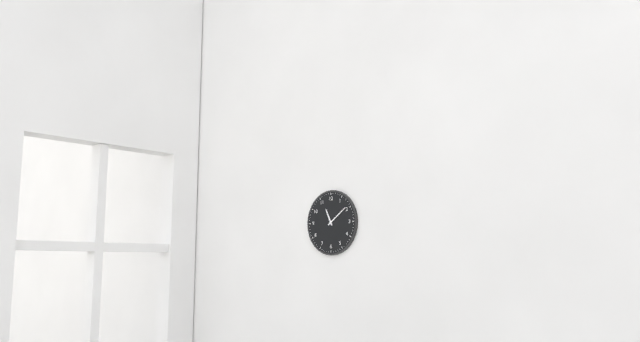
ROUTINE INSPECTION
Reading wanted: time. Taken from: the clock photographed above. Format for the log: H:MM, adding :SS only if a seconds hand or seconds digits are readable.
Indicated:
11:09
